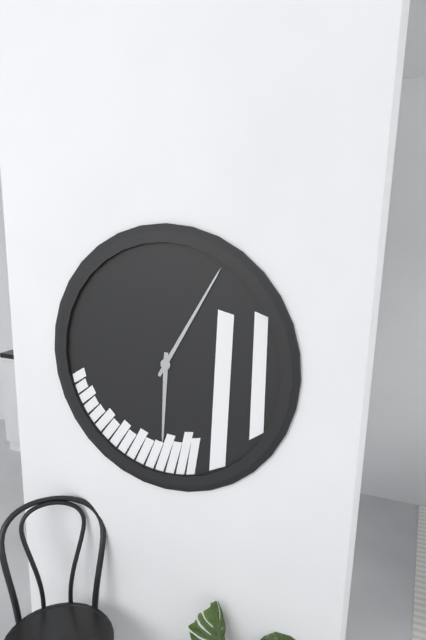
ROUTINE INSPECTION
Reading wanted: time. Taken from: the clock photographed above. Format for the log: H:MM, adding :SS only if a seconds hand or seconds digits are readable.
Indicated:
6:05
